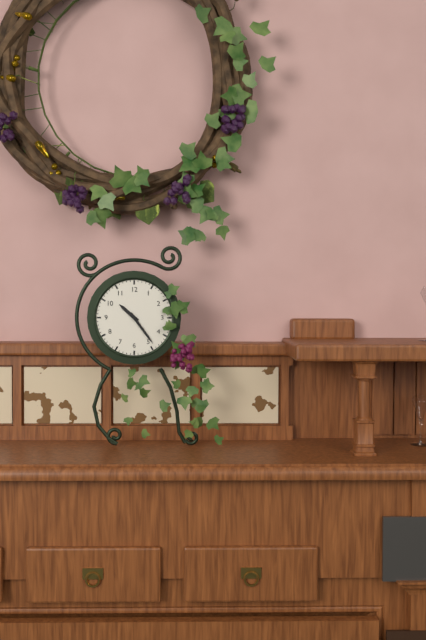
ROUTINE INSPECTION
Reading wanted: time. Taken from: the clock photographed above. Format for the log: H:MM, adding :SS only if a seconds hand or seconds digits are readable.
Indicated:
10:24
